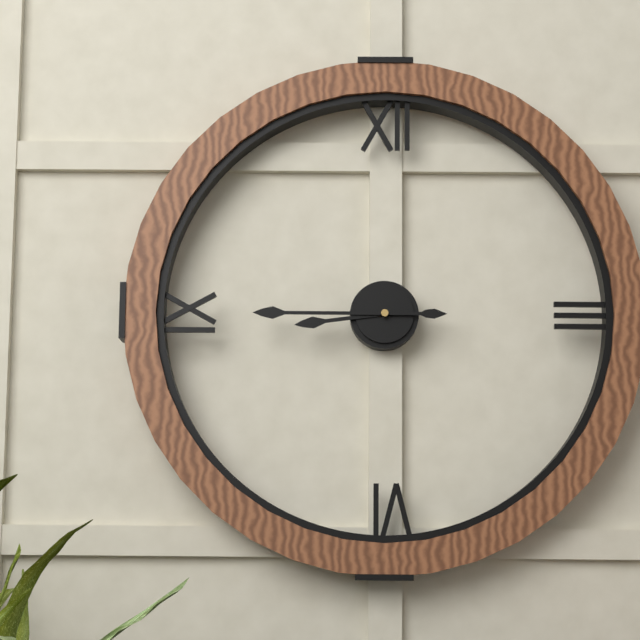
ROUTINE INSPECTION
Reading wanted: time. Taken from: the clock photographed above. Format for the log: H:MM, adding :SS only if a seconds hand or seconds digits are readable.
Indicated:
8:45
